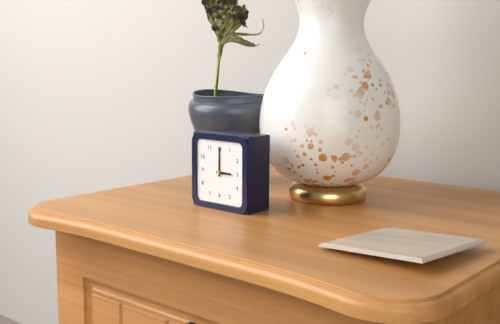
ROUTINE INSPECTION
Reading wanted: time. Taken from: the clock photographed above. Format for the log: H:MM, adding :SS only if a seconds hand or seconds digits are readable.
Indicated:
3:00
